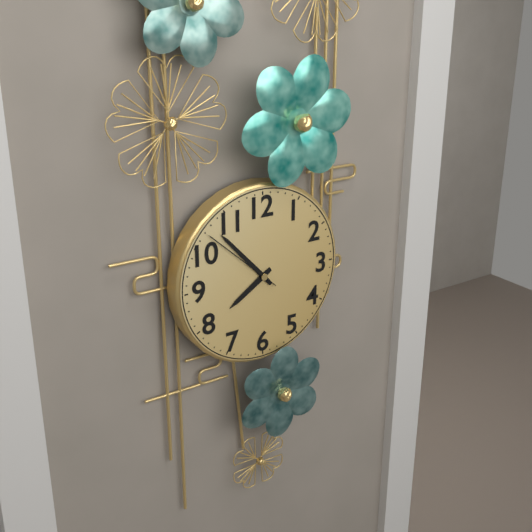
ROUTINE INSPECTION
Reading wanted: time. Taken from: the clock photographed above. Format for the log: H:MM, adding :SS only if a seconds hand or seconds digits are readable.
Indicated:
7:53:52
